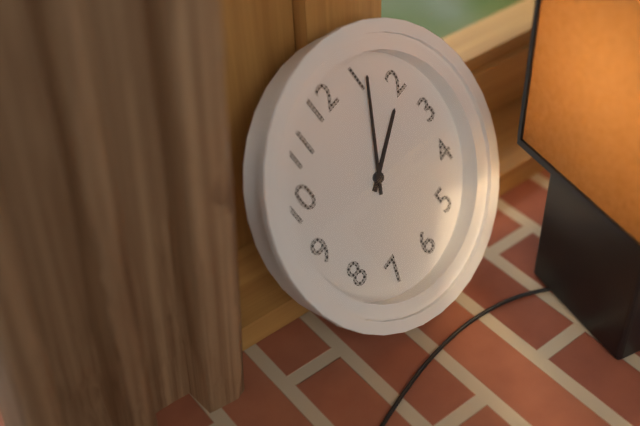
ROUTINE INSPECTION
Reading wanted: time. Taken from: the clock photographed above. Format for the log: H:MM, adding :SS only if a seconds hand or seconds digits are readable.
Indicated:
2:06
